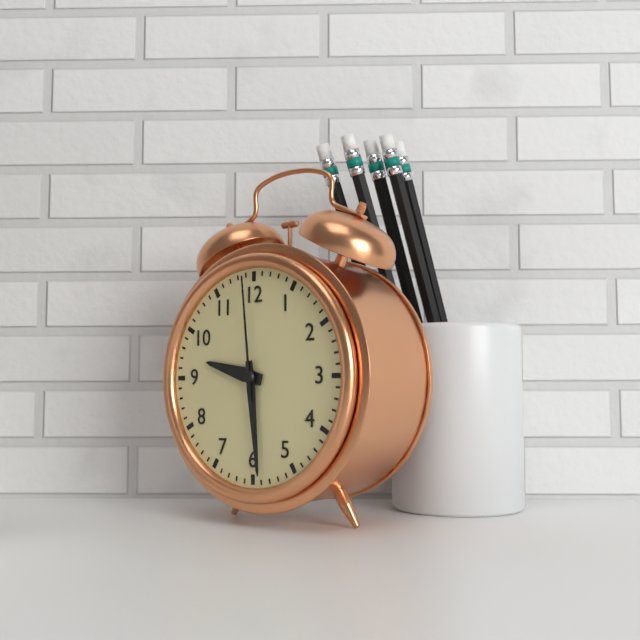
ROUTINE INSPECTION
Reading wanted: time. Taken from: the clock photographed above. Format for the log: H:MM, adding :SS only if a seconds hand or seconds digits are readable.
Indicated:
9:29:59
